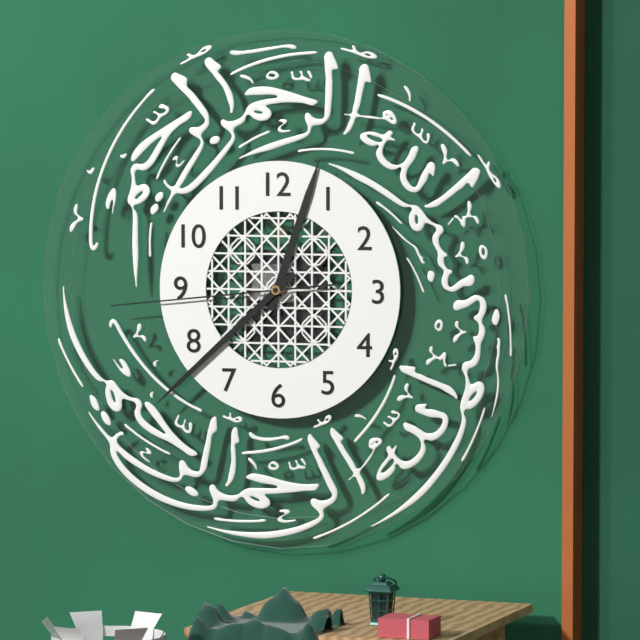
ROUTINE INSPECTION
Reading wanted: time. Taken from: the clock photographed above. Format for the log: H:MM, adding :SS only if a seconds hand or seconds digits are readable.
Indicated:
12:38:44
